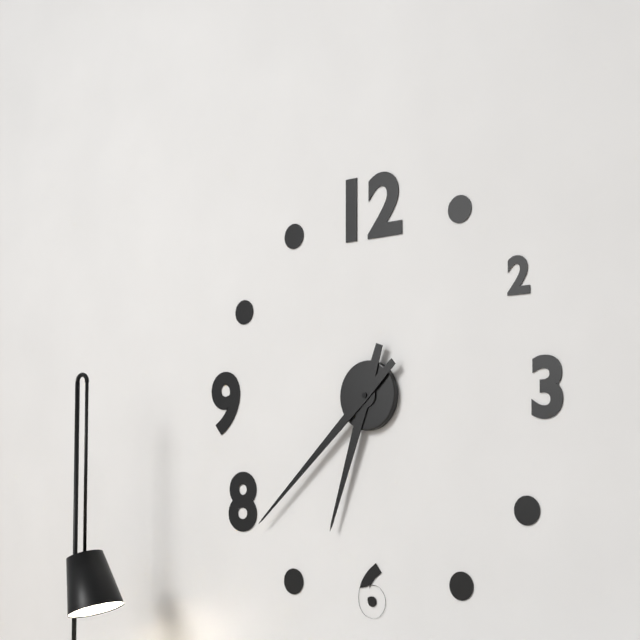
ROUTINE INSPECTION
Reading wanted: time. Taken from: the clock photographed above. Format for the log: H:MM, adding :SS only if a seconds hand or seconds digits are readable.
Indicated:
6:38
